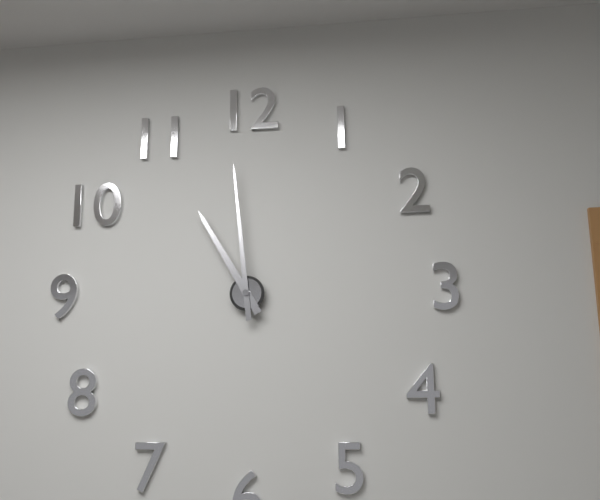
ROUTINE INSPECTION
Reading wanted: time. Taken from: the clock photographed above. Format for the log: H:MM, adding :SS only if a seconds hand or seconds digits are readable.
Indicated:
10:59
